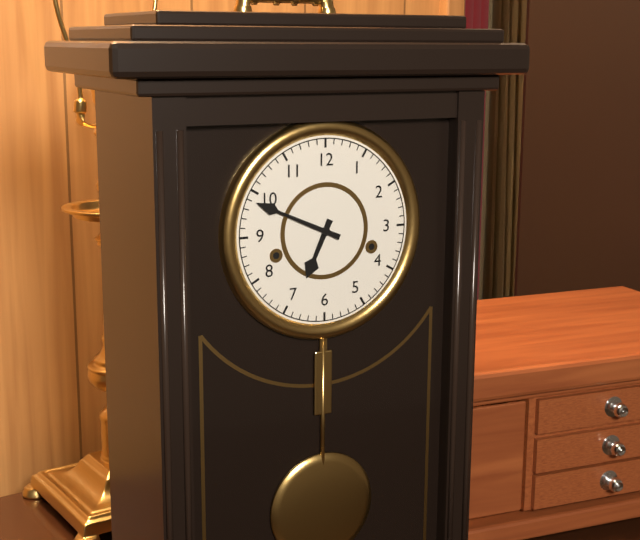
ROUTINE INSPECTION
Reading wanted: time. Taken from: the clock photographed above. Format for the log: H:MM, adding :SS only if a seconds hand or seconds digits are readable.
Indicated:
6:49
